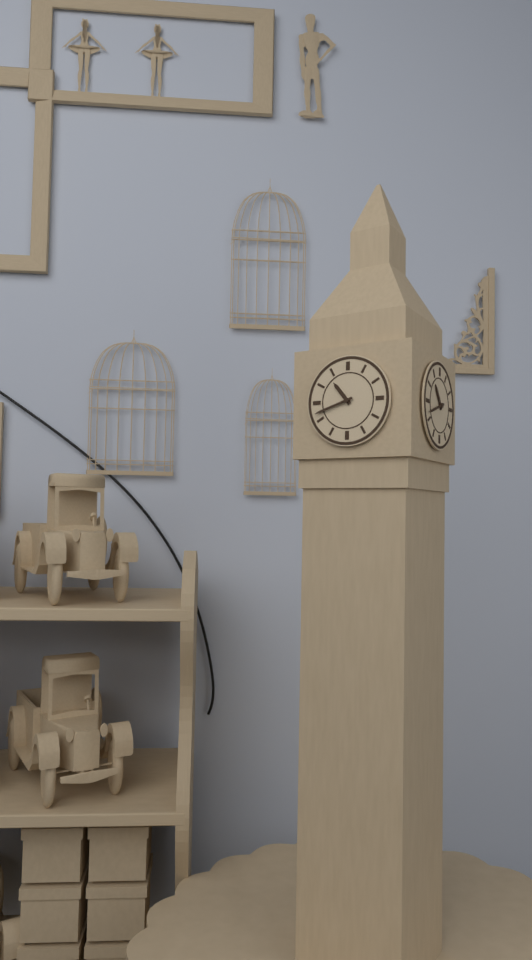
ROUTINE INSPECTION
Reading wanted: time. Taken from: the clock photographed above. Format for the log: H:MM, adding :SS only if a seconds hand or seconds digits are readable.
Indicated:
10:42
